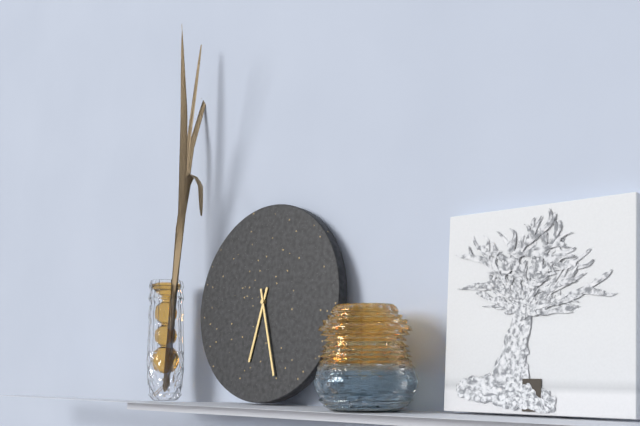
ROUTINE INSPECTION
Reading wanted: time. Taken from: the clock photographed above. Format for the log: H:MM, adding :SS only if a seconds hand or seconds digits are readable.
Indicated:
6:27
